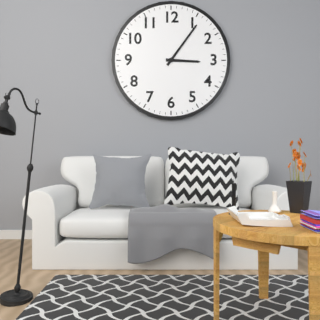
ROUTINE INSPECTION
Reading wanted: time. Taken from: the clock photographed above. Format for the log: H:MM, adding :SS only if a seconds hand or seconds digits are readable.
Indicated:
3:06
